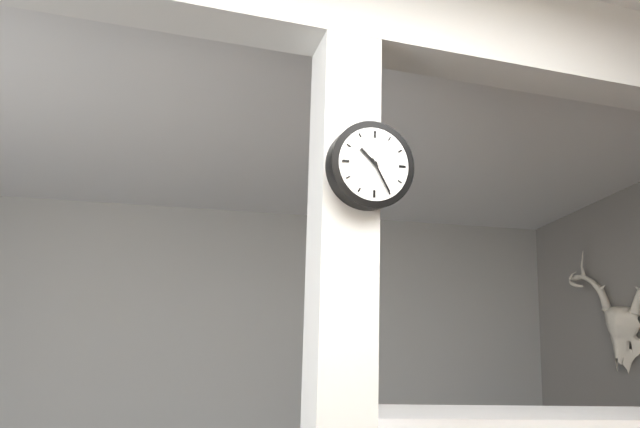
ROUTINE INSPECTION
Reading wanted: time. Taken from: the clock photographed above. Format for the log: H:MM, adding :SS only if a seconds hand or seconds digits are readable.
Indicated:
10:25
